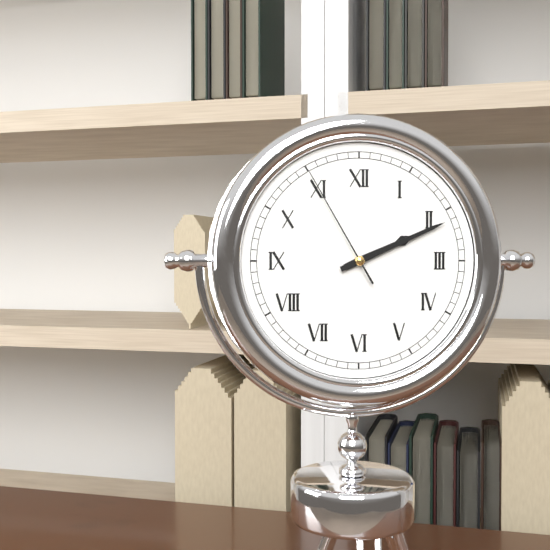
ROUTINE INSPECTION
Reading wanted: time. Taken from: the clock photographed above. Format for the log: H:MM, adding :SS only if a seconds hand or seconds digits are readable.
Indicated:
2:11:55
